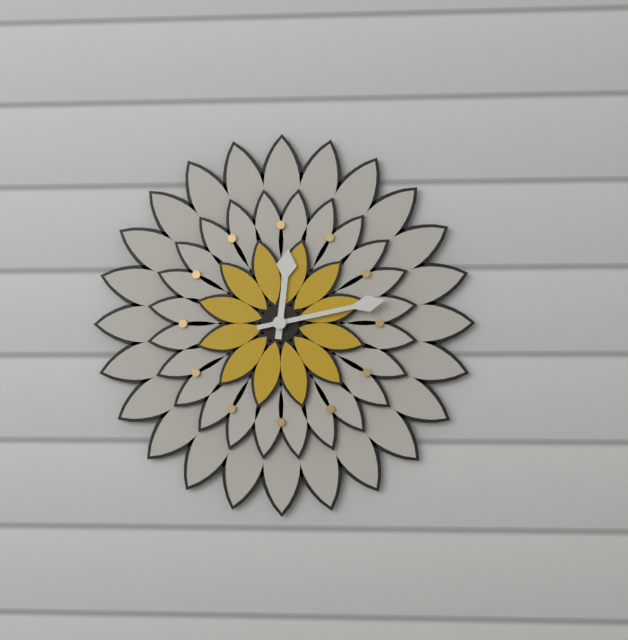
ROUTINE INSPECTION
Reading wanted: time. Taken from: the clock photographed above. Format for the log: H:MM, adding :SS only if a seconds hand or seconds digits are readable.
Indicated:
12:13
